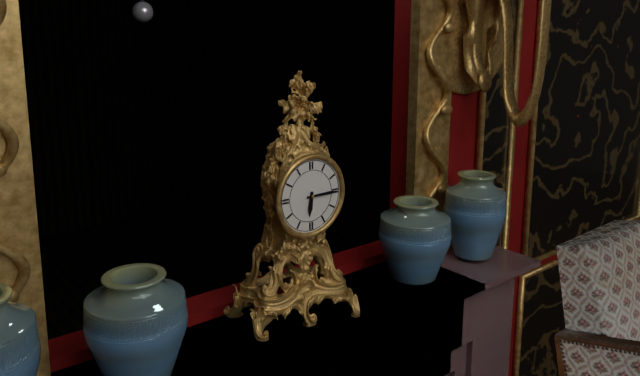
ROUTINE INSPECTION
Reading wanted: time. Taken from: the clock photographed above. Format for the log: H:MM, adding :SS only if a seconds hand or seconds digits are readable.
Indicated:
6:15
